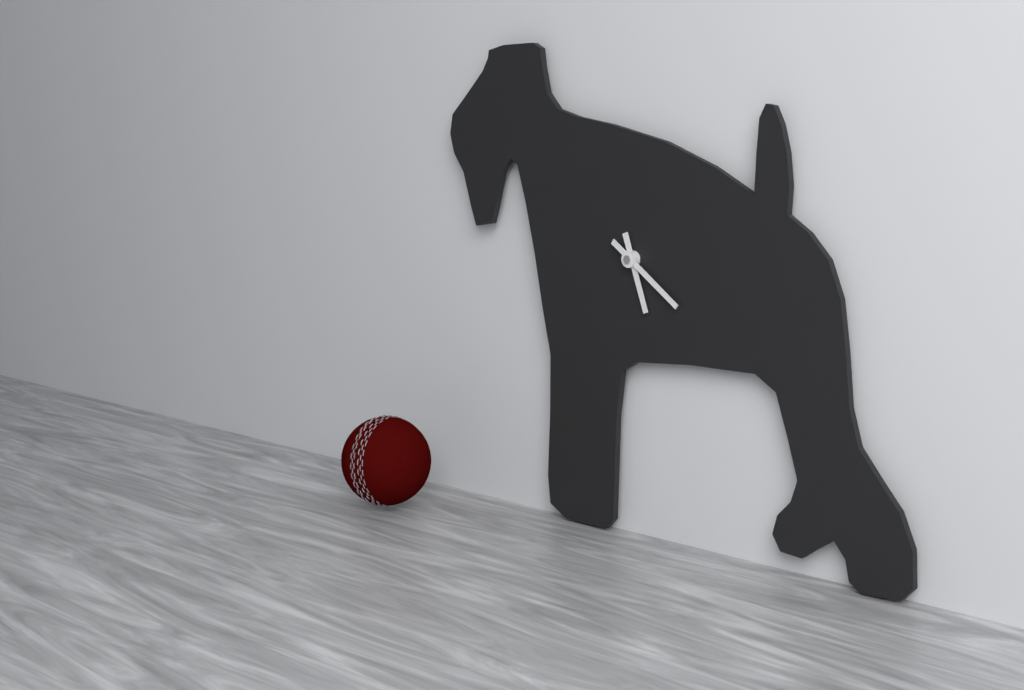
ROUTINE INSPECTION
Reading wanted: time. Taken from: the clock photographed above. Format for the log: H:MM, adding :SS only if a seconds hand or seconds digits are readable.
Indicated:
5:21
